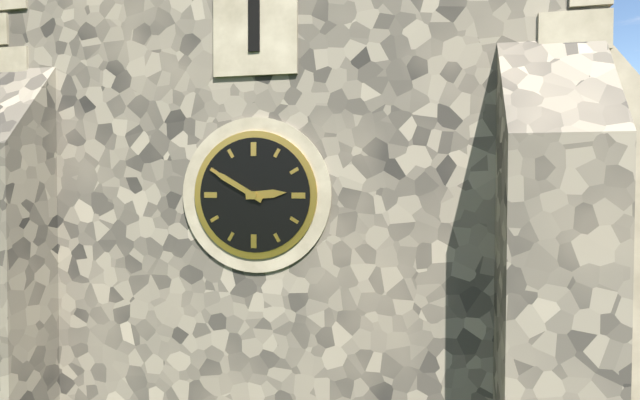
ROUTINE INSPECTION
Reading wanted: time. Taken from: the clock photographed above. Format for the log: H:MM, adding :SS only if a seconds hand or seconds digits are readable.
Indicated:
2:50
